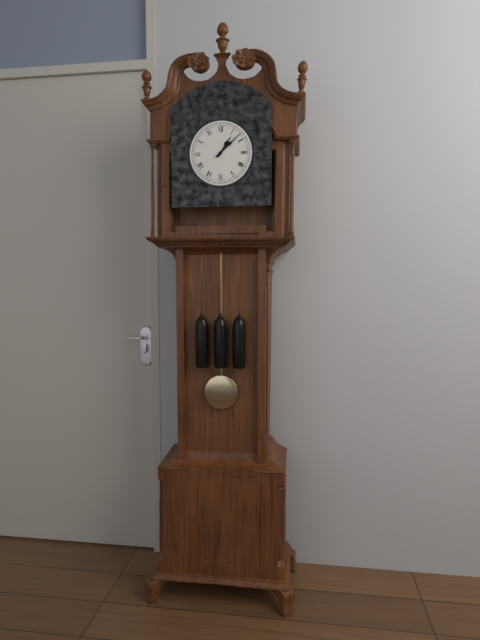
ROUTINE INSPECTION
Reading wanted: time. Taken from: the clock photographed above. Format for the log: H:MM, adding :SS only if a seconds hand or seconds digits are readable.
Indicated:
1:08
